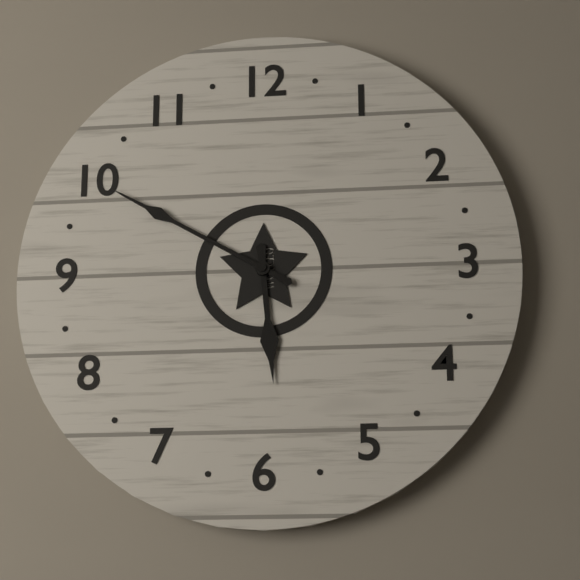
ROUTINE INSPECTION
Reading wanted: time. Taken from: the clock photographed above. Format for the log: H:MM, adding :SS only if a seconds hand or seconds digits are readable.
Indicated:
5:50
